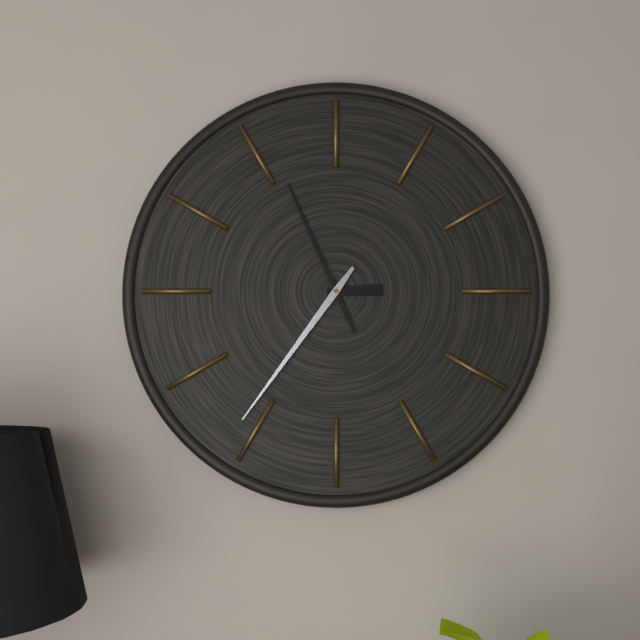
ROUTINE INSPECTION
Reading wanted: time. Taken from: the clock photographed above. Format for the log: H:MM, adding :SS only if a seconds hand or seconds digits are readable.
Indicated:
2:56:36
